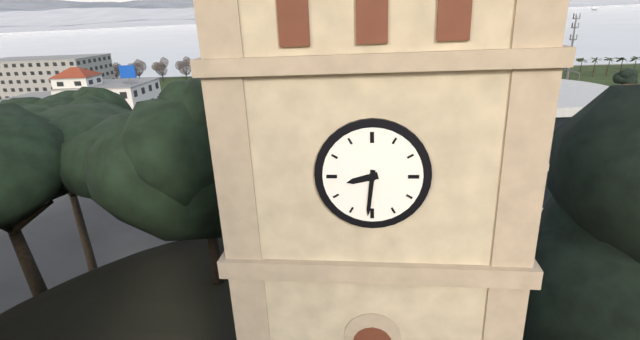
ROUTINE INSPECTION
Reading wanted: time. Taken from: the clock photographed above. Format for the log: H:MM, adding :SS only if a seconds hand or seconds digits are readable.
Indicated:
8:31
